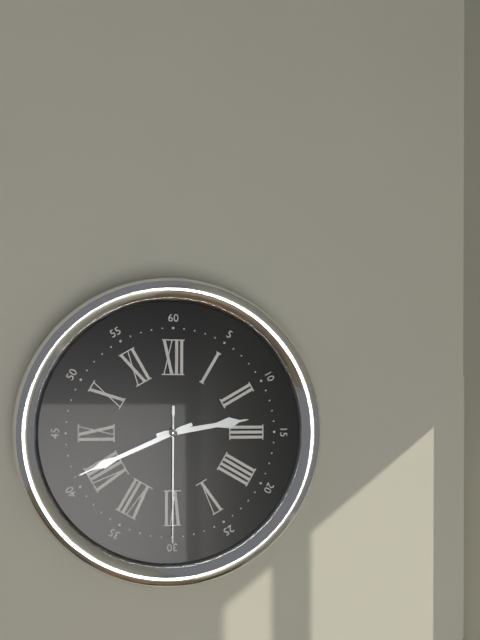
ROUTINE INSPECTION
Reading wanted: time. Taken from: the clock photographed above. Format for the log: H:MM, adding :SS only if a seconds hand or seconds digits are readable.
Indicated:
2:41:30
